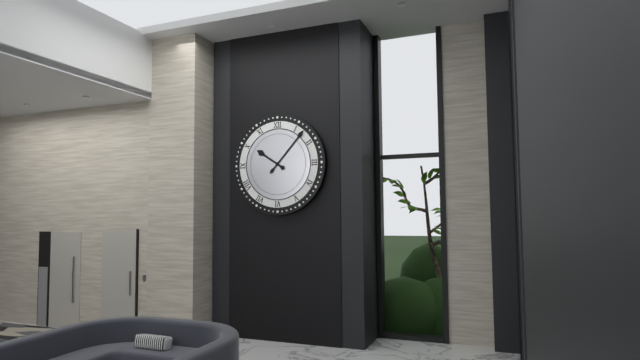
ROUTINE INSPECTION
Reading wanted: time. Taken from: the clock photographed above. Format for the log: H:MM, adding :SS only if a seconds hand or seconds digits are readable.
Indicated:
10:07
